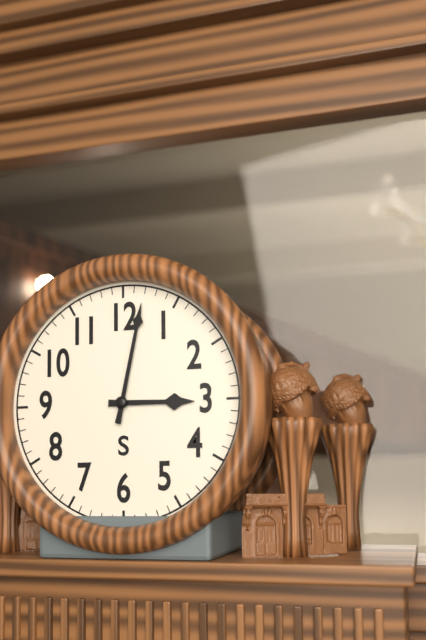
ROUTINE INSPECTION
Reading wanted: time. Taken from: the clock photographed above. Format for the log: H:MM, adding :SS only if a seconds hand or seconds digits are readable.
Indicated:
3:02
